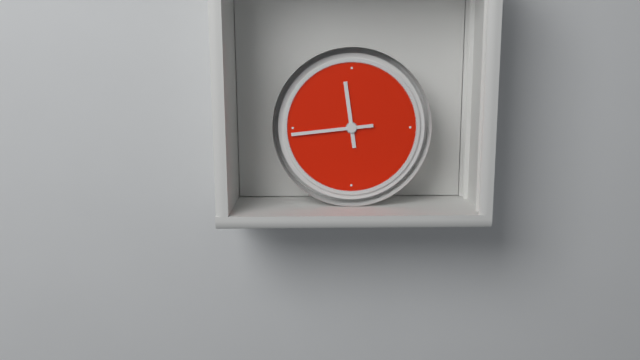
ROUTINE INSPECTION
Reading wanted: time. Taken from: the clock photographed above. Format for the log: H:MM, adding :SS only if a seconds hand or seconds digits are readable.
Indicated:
11:44
